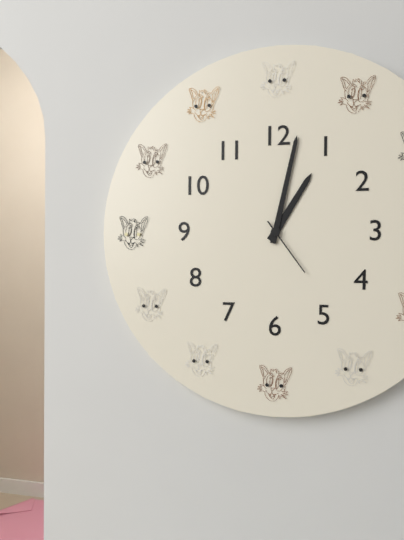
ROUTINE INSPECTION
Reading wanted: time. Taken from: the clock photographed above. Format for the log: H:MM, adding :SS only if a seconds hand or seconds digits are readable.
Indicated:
1:02:24
